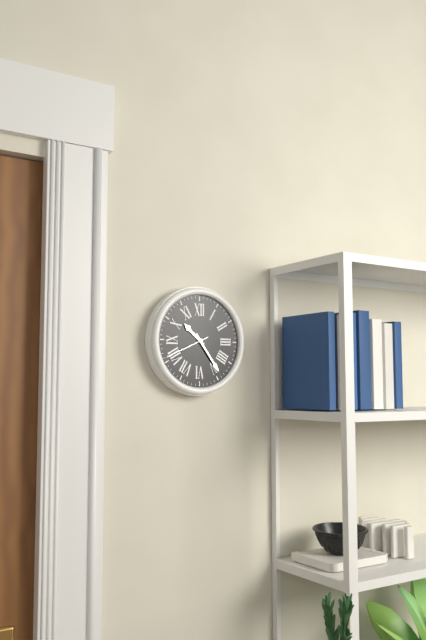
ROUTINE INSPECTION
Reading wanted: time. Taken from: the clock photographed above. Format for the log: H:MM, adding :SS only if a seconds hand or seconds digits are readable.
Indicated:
10:24
